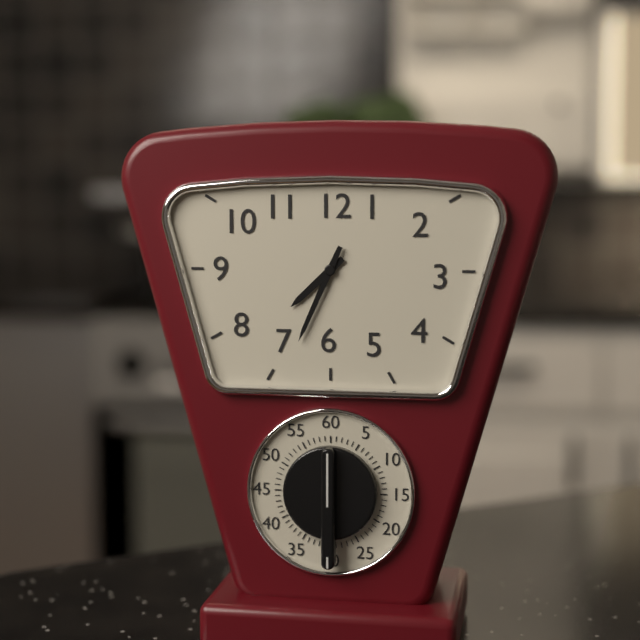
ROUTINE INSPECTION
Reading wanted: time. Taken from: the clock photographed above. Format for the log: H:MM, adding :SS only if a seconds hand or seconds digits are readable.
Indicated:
7:34
